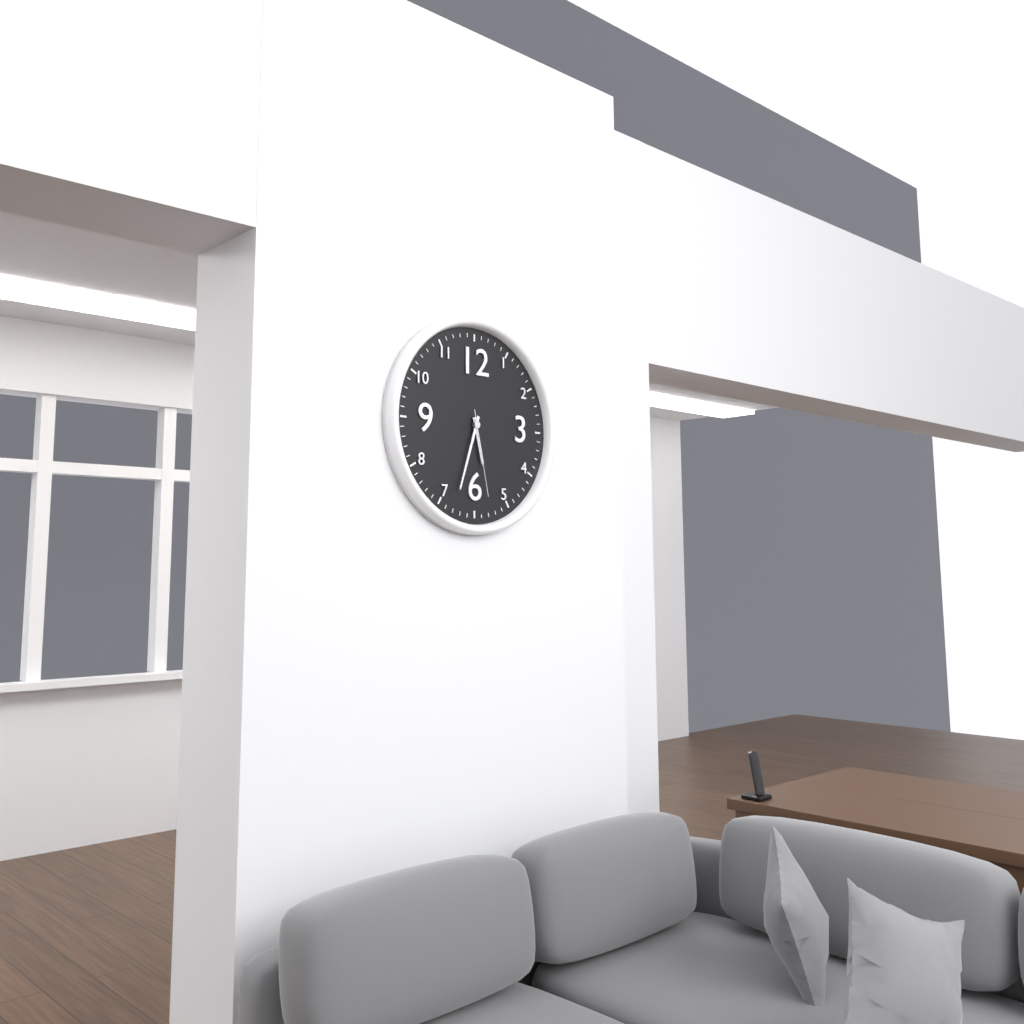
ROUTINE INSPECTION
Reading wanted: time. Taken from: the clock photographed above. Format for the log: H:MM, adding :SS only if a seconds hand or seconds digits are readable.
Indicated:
5:33:28
